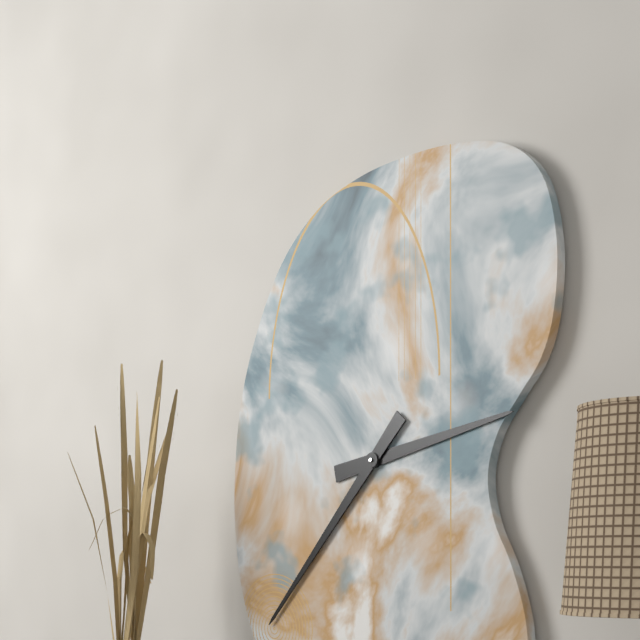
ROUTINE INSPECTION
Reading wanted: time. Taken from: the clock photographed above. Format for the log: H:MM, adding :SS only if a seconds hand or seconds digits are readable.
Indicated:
2:37
